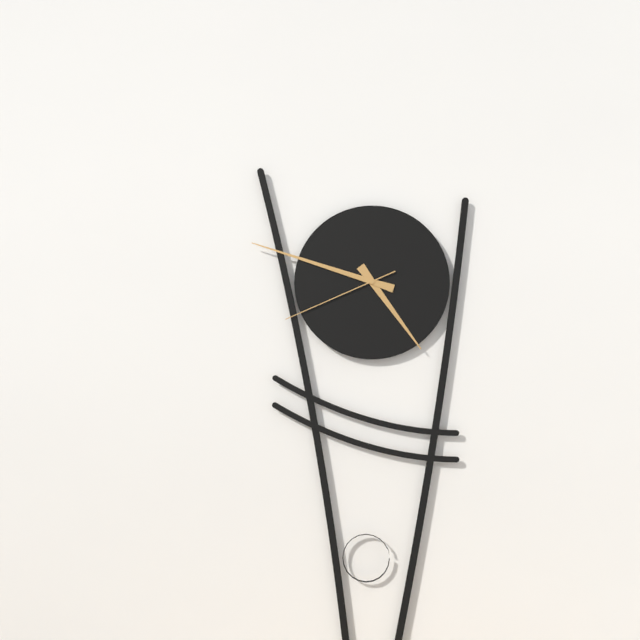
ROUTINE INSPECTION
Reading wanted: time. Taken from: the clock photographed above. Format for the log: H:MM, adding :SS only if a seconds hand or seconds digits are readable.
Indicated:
4:48:41
